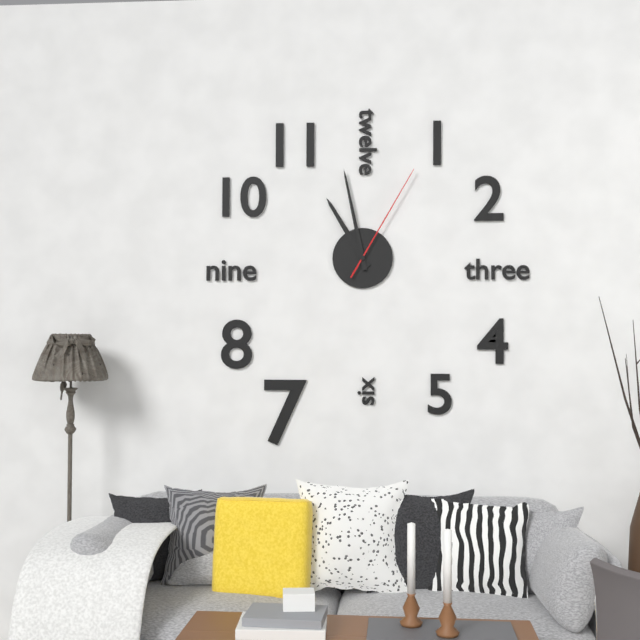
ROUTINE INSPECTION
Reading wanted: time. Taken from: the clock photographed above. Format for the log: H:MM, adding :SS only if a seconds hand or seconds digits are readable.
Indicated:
10:58:05
